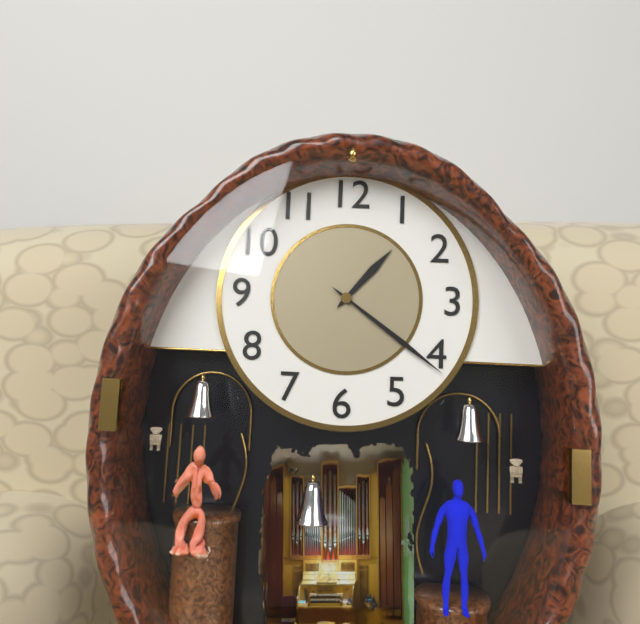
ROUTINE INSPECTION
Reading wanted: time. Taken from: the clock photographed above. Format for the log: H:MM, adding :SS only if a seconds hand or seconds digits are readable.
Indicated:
1:21
